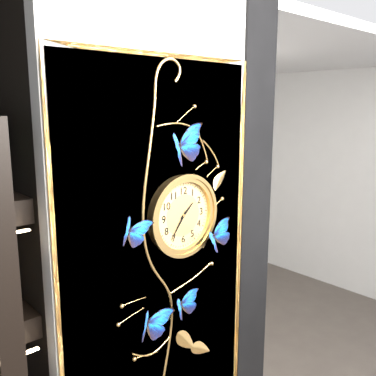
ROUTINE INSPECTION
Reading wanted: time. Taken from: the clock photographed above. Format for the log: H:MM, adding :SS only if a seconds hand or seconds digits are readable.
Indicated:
1:36
